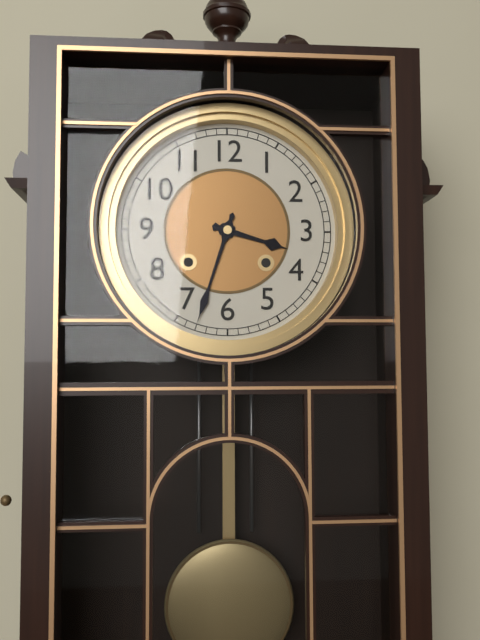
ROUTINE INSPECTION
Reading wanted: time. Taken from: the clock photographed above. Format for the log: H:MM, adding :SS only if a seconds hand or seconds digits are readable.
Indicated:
3:33
